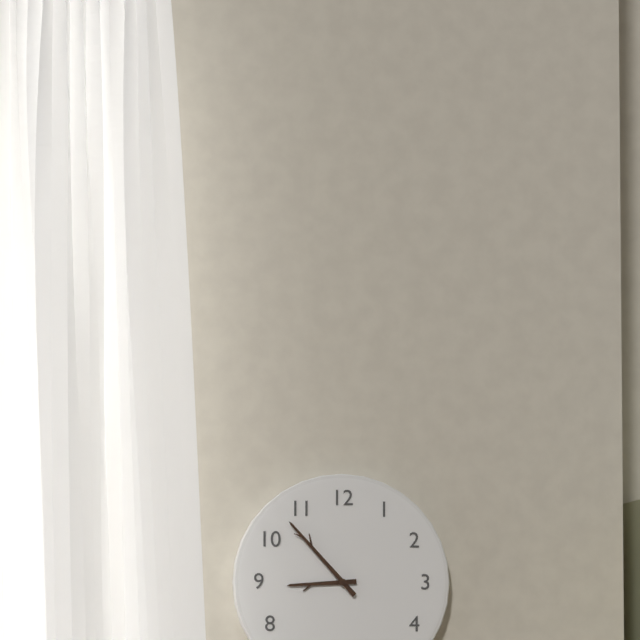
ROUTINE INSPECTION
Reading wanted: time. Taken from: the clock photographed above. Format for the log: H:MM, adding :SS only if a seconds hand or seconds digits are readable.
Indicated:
8:53
